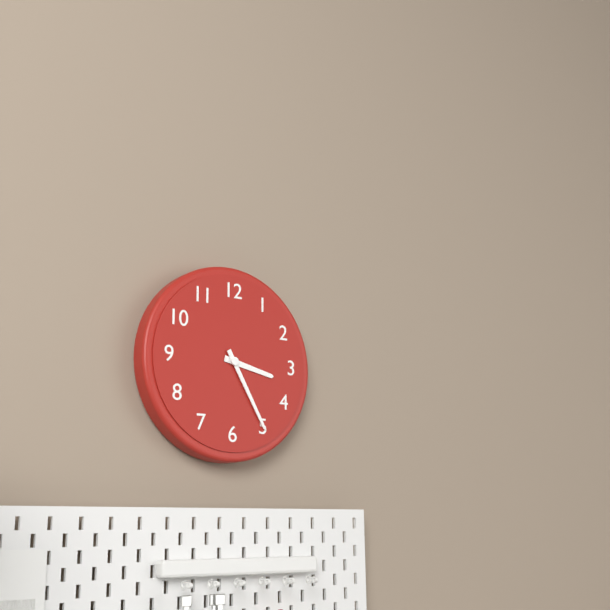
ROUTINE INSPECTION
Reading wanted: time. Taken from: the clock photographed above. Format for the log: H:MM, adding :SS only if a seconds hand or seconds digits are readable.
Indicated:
3:25
